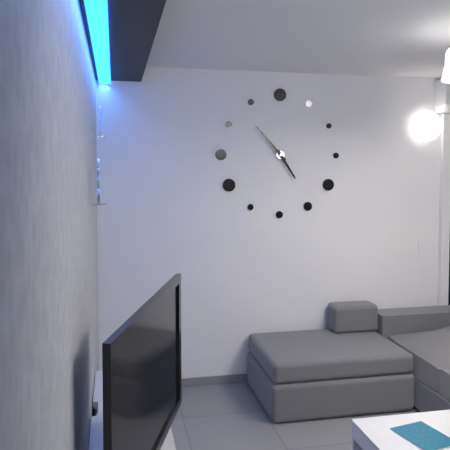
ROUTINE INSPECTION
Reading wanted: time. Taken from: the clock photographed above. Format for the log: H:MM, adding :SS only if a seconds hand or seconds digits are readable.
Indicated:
4:53
